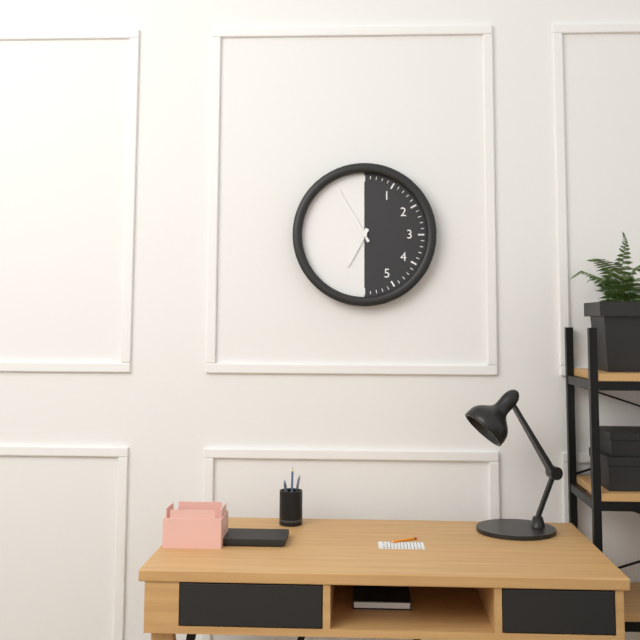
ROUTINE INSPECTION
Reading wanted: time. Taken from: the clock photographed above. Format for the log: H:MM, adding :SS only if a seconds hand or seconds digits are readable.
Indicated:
6:55
